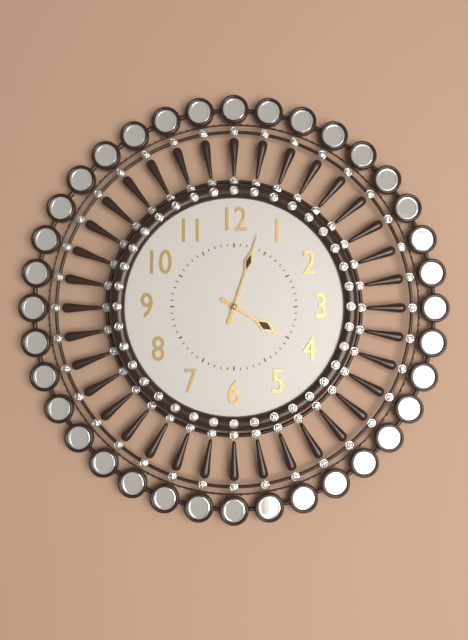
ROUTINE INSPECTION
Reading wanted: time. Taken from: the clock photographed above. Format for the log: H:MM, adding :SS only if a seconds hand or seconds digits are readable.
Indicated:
4:03
